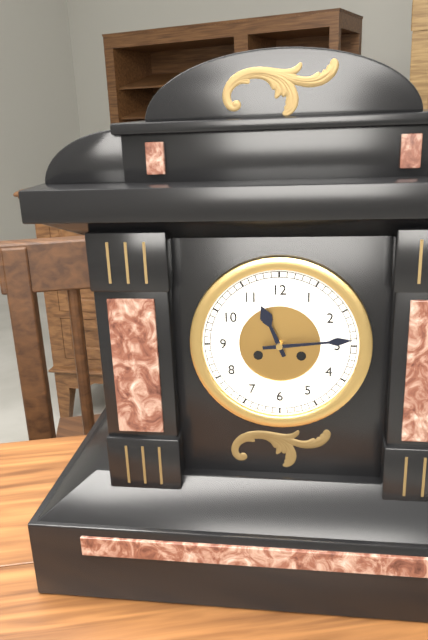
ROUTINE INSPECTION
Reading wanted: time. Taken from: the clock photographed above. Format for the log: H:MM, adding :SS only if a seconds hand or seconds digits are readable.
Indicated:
11:14
